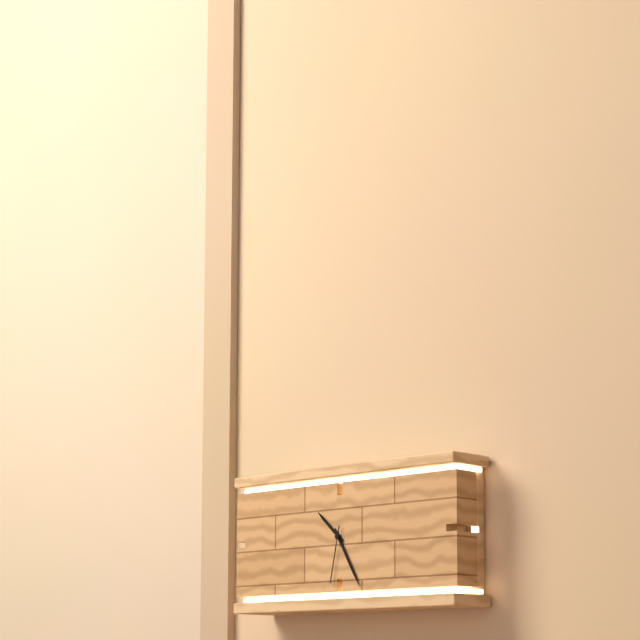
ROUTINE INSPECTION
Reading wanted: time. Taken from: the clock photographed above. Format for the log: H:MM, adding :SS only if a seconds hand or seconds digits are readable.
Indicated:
10:25:32
